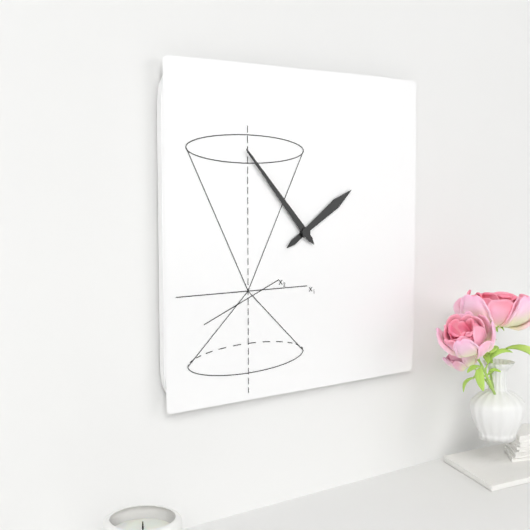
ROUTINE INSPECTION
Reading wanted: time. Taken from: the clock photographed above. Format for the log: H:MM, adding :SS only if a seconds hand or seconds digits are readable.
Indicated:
1:53
